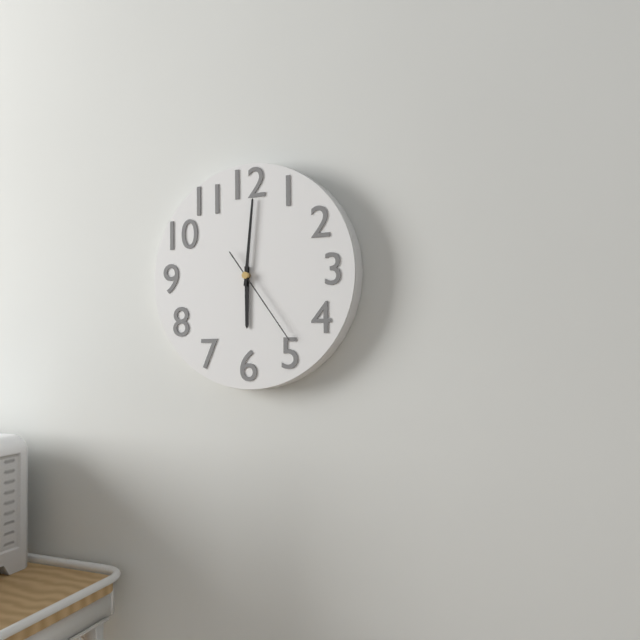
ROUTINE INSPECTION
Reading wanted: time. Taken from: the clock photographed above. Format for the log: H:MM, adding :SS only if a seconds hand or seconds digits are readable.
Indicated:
6:01:24
